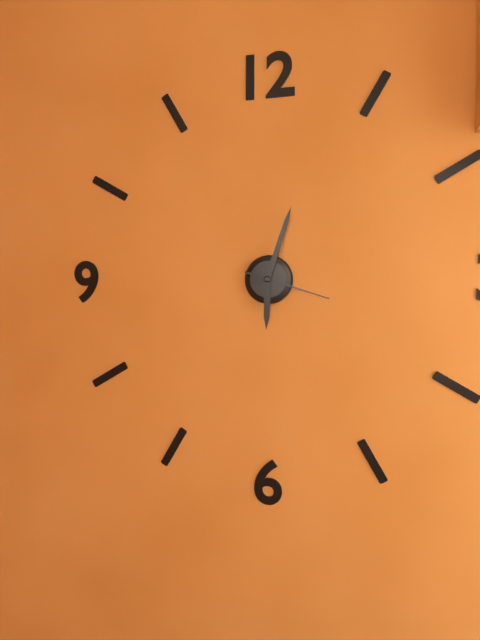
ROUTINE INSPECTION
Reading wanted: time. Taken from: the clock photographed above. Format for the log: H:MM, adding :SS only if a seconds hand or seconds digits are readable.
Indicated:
6:03:18
